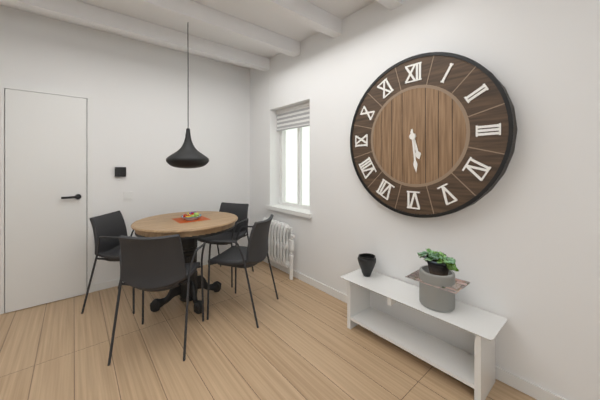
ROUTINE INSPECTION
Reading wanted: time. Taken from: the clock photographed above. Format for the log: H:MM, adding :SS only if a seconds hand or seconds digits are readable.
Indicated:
5:29
